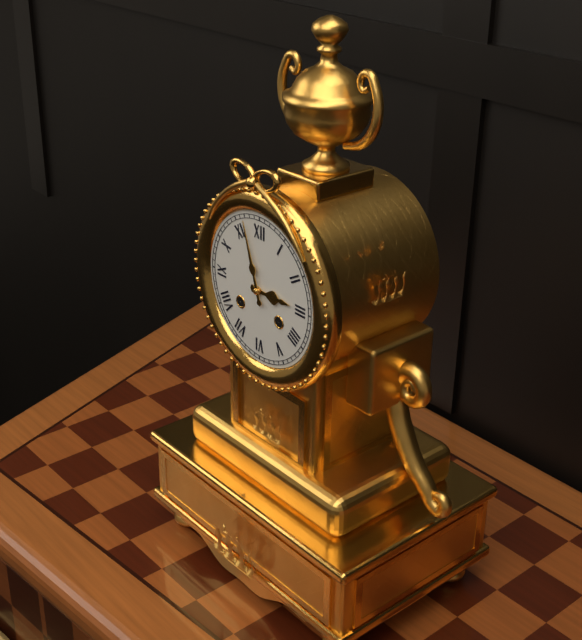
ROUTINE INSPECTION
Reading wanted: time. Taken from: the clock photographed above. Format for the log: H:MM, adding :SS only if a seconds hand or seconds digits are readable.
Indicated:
2:57
